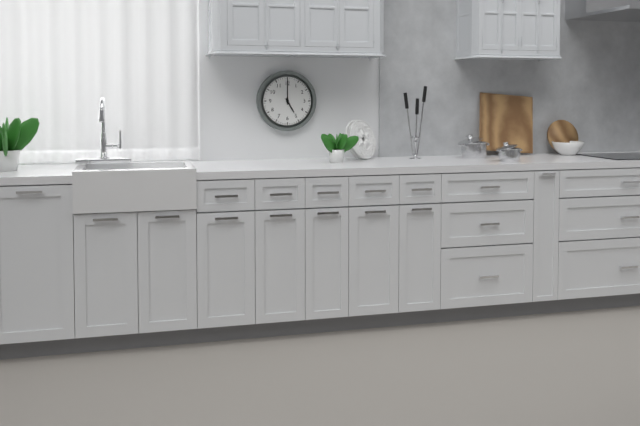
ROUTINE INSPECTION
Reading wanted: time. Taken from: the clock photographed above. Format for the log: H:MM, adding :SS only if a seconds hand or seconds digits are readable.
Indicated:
5:00
